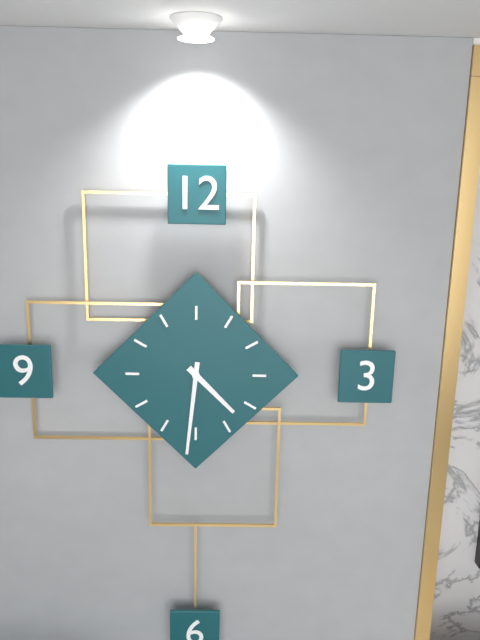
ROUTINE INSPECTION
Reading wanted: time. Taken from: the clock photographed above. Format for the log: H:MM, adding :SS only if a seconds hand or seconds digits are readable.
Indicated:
4:31
